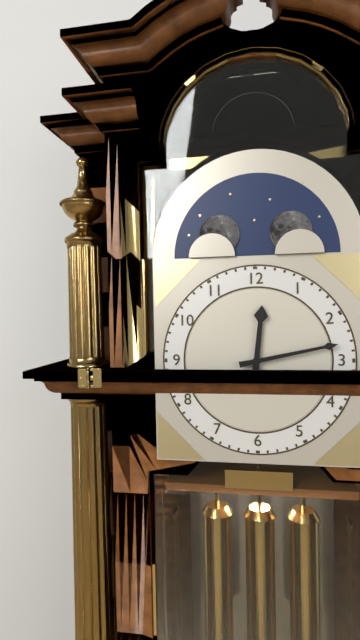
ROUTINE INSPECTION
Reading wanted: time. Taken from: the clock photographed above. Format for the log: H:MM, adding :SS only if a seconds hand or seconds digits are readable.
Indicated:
12:13
